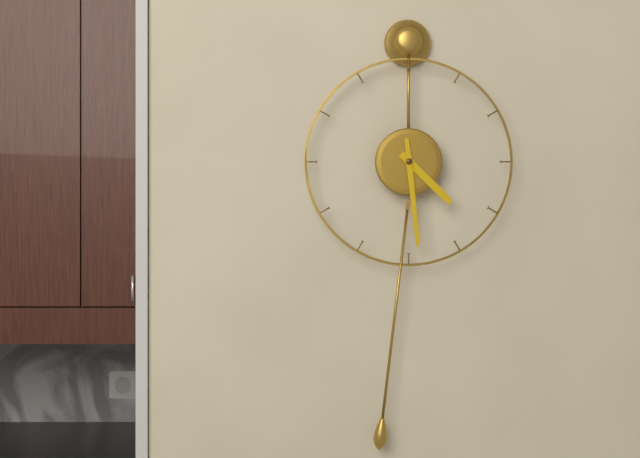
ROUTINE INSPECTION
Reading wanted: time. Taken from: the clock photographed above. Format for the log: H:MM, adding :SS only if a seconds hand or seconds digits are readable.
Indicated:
4:29
